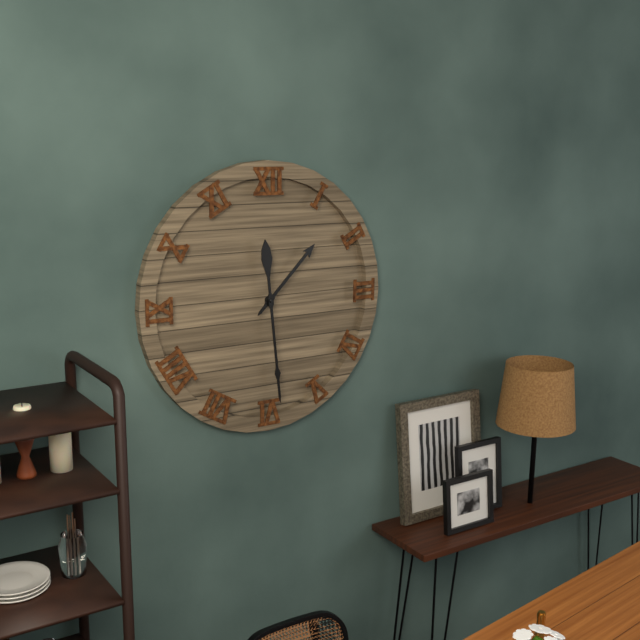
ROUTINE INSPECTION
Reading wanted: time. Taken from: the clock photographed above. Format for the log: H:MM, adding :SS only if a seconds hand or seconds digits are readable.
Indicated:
1:29
